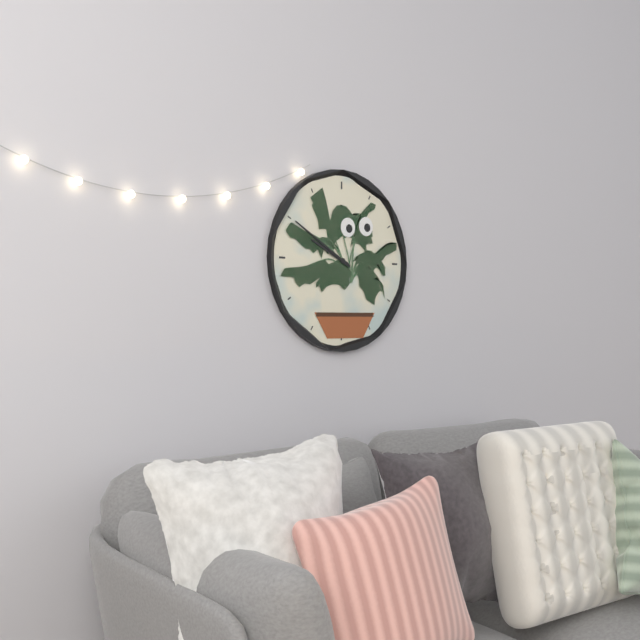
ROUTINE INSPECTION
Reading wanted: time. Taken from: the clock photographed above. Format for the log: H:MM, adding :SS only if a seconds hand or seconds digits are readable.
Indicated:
9:50
